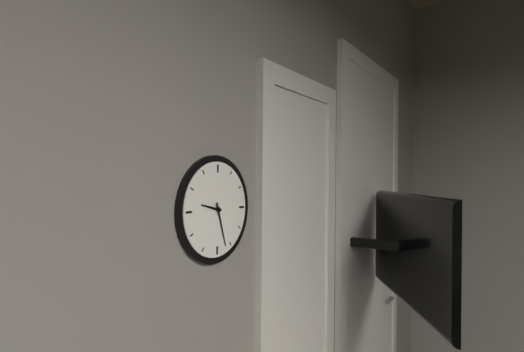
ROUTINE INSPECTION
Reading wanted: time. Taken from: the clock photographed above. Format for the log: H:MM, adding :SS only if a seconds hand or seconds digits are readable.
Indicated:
9:27
